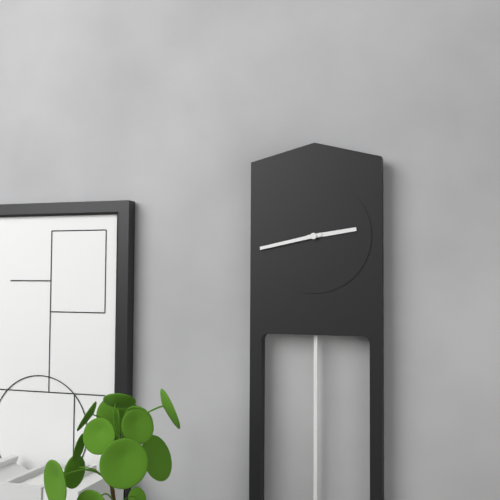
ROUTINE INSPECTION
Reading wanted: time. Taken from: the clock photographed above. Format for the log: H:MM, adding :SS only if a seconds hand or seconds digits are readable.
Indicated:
2:43
